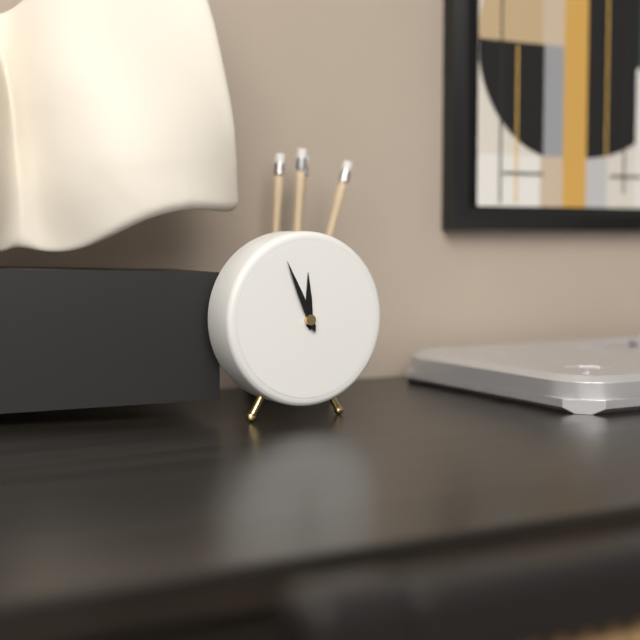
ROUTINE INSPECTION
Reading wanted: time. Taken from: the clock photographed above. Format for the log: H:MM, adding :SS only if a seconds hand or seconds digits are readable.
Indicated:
11:56
